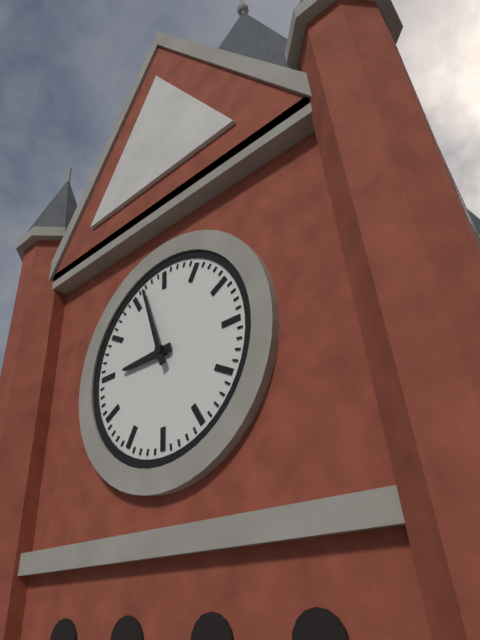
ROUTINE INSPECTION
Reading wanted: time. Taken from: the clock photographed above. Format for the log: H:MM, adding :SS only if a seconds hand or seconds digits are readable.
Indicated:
8:57
